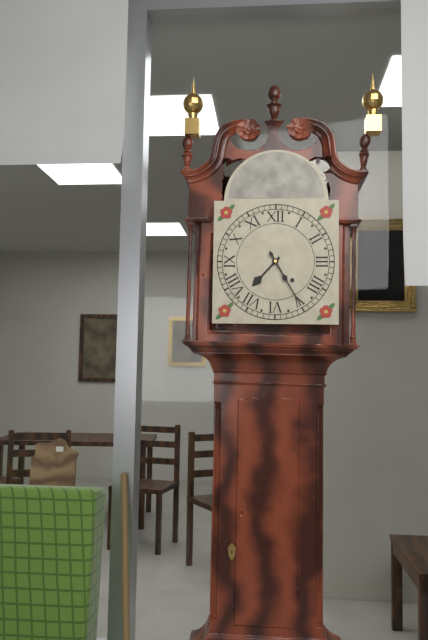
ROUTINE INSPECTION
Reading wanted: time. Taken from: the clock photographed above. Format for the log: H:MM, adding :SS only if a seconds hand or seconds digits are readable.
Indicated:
7:25
